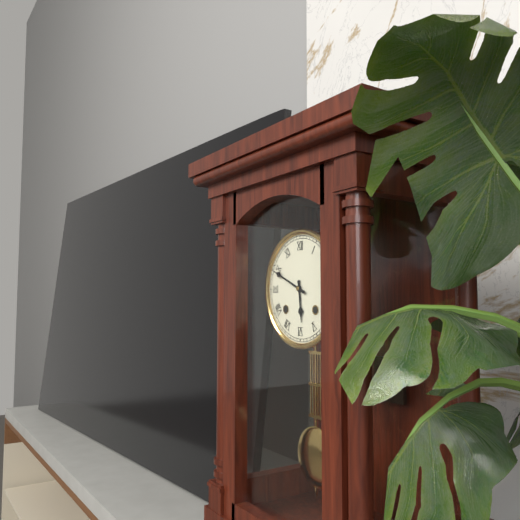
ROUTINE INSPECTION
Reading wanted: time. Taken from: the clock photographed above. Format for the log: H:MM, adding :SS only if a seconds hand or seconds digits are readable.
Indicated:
5:49
